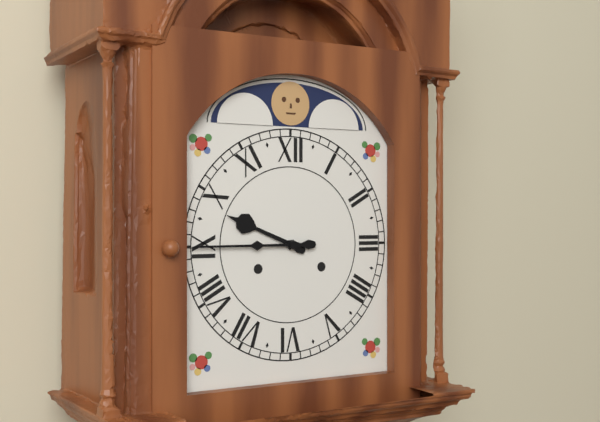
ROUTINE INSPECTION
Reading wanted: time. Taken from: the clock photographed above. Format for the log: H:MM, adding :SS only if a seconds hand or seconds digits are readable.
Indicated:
9:45
